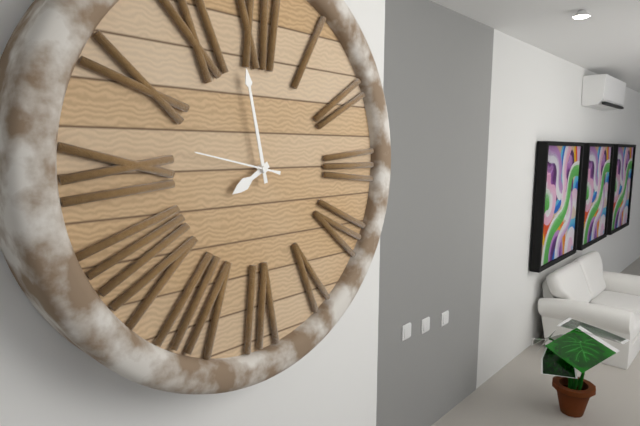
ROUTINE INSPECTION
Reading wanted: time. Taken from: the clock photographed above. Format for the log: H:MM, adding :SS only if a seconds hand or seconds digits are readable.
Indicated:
7:58:47
